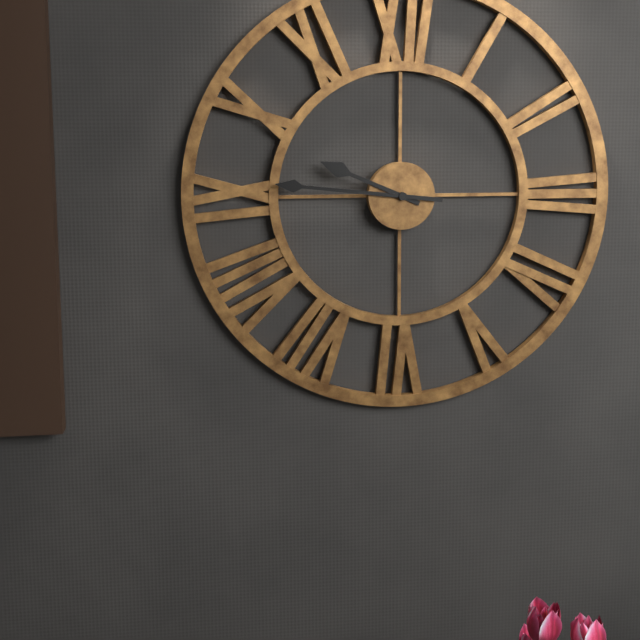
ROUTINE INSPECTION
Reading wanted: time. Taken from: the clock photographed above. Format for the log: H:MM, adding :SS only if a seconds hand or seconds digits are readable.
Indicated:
9:46
